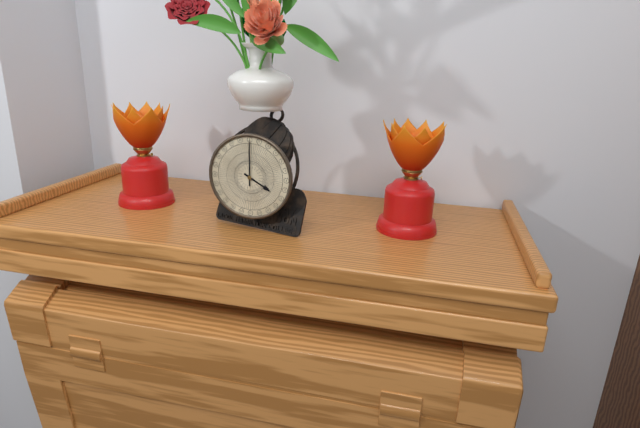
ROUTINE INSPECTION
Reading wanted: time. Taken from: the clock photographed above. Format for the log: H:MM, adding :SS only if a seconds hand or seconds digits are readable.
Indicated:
4:00
